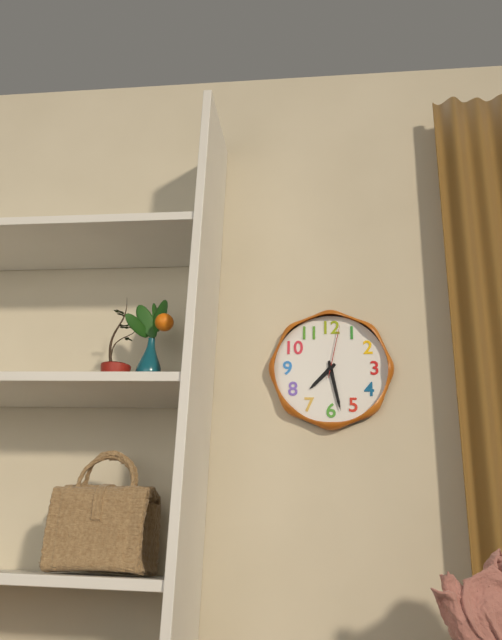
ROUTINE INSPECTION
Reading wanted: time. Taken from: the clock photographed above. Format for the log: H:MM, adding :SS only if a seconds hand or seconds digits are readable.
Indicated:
7:28:02
